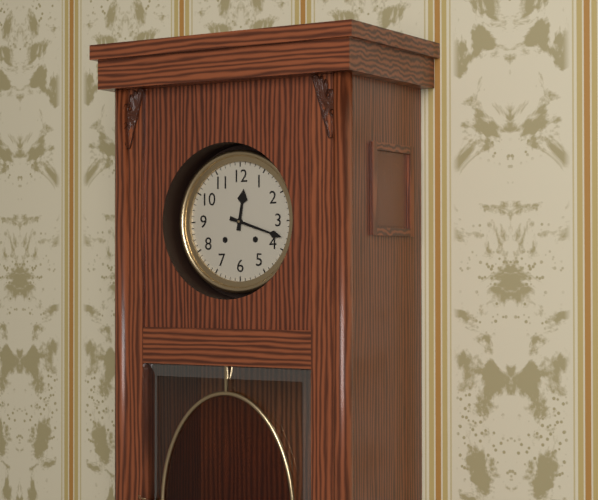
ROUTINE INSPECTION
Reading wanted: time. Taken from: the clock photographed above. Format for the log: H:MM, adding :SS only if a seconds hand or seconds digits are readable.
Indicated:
12:18
